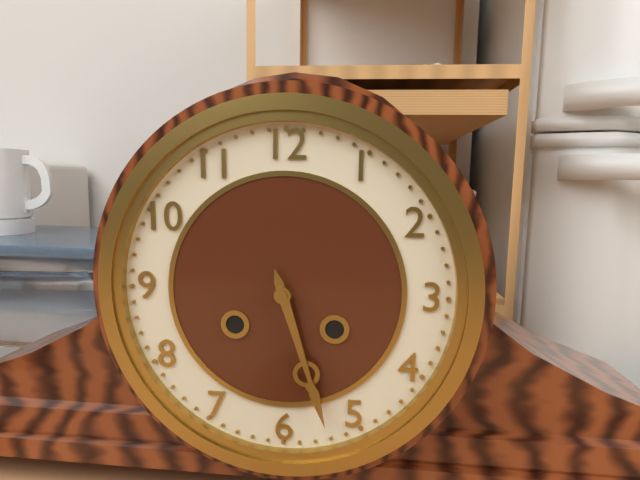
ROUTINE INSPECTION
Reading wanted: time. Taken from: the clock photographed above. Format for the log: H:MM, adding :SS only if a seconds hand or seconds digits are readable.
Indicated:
5:27
